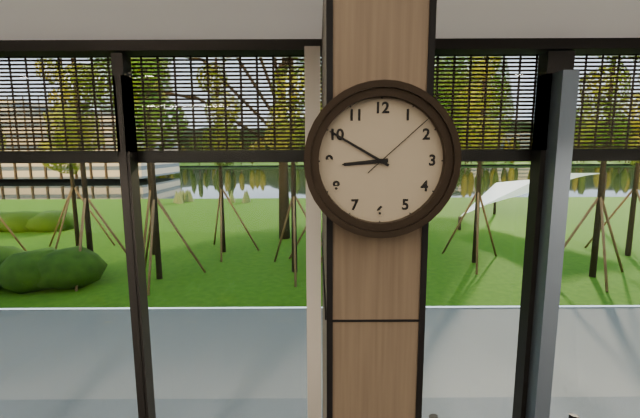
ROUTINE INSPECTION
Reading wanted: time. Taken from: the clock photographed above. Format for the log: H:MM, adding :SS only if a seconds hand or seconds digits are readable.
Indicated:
8:50:08
